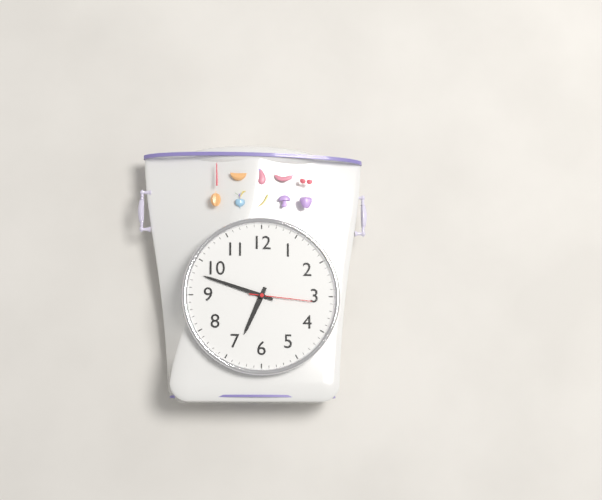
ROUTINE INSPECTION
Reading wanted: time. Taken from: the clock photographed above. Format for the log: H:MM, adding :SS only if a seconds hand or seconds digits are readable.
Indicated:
6:48:16
